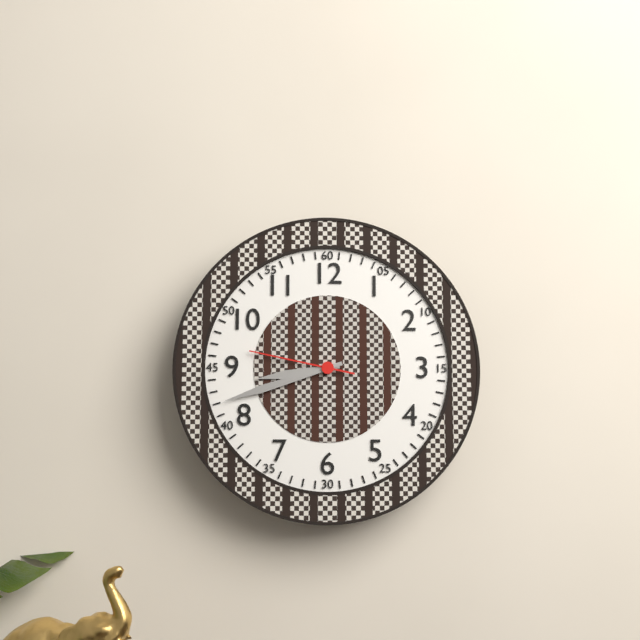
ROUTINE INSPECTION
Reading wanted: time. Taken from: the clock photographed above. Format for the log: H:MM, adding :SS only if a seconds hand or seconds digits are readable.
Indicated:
8:42:47
